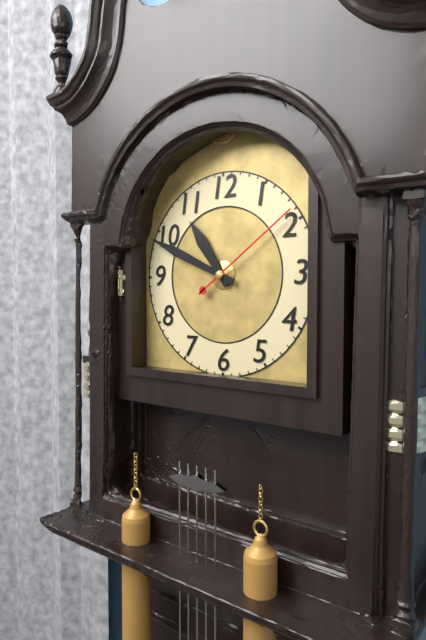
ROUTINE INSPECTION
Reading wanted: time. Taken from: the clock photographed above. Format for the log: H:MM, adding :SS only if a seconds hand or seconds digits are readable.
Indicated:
10:49:09
